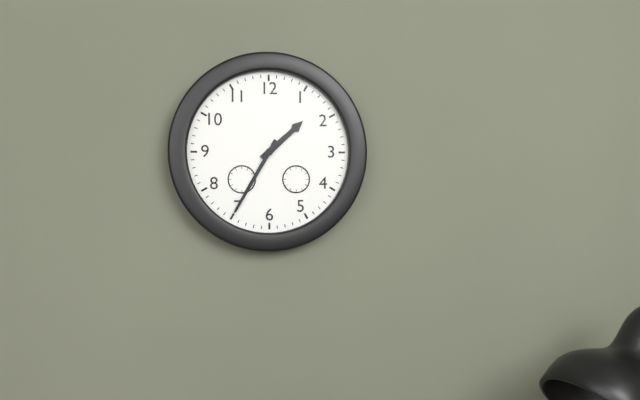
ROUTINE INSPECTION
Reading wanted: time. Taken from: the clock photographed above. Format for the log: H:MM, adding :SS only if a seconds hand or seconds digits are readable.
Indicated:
1:35
